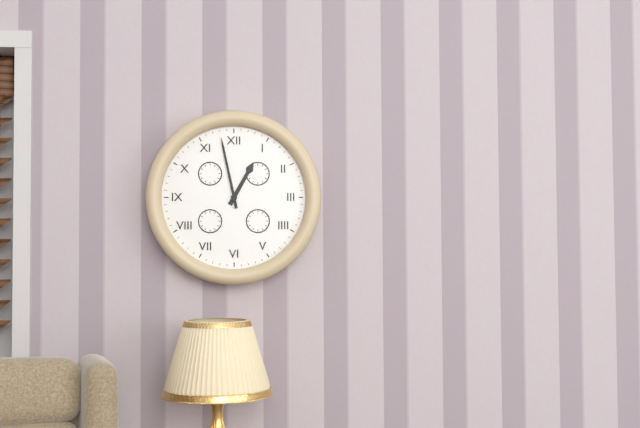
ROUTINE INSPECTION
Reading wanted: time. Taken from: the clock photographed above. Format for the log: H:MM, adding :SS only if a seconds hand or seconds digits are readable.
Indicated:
12:58
